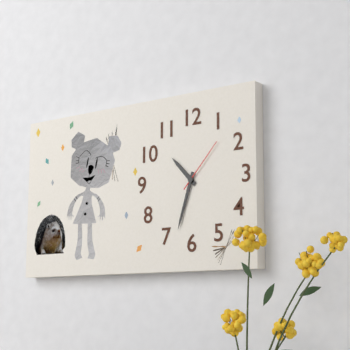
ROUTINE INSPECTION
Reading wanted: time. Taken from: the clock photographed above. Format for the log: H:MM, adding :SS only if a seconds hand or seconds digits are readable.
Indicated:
10:33:07
